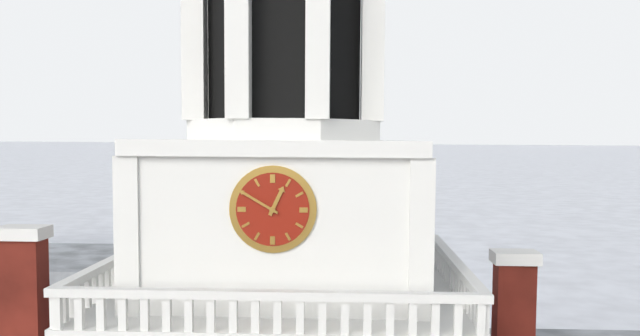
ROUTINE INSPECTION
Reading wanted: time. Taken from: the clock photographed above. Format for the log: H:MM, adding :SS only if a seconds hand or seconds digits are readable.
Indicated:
12:50
